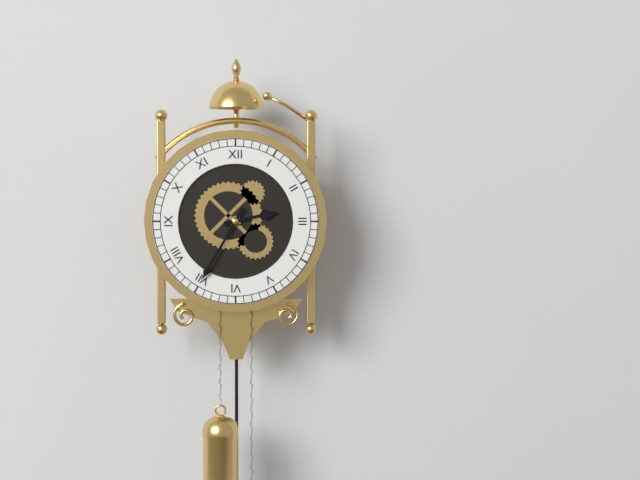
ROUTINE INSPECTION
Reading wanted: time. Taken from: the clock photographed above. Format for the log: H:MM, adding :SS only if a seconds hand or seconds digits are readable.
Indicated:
2:35
